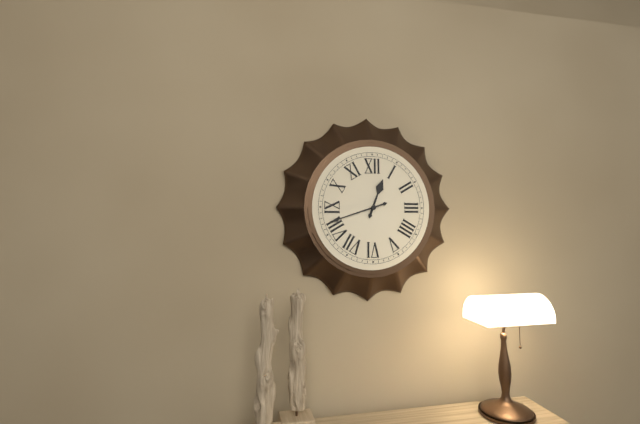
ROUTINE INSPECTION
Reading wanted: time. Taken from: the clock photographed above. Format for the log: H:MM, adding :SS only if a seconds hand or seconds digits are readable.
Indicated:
12:42
